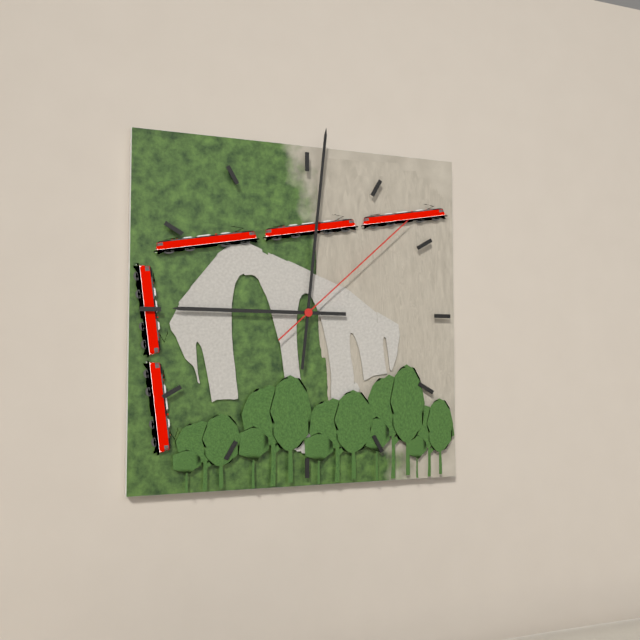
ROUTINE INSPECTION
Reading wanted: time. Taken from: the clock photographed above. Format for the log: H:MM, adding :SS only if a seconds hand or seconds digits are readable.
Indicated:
9:01:08
